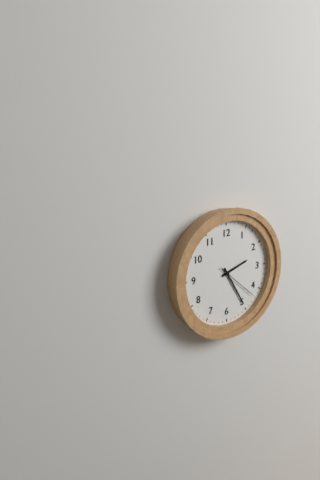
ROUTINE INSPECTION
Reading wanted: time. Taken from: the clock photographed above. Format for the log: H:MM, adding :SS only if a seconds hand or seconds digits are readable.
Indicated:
2:25
